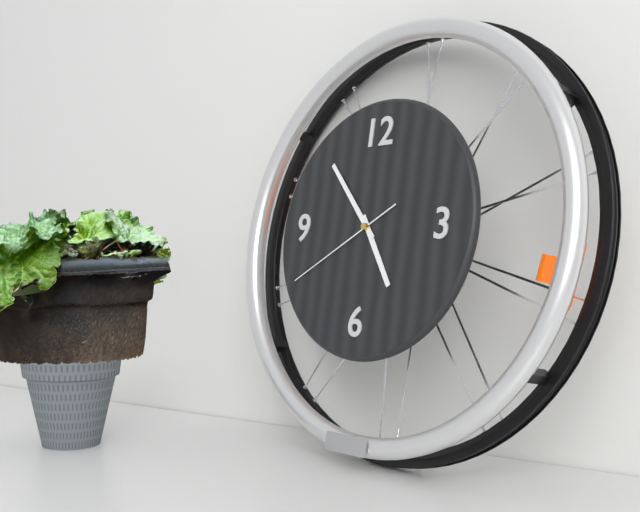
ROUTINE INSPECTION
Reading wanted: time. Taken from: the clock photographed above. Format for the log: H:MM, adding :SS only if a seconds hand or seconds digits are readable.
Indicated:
4:53:40
